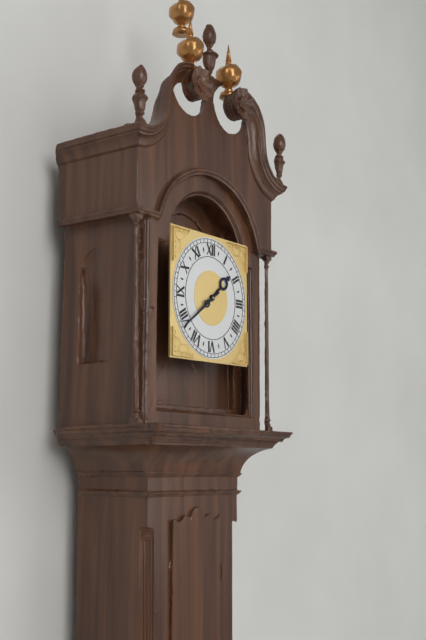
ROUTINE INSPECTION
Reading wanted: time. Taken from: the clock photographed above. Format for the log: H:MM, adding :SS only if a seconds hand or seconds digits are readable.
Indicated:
1:39
